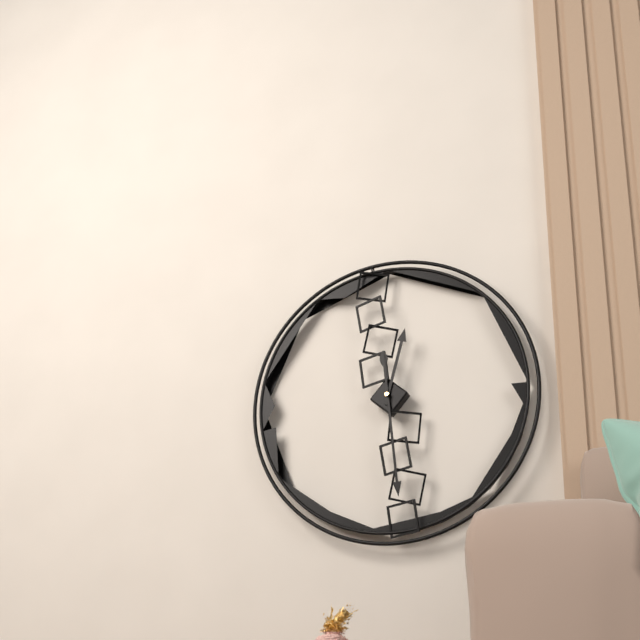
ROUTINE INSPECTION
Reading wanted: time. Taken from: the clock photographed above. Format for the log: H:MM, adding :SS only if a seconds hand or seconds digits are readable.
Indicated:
12:29
